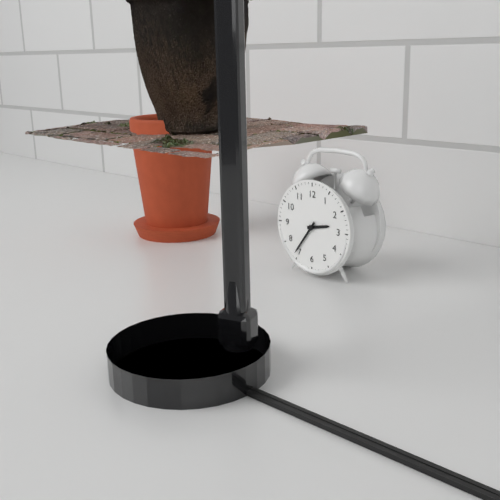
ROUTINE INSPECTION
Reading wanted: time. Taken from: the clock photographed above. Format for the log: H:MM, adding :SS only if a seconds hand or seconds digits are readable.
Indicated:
2:36
